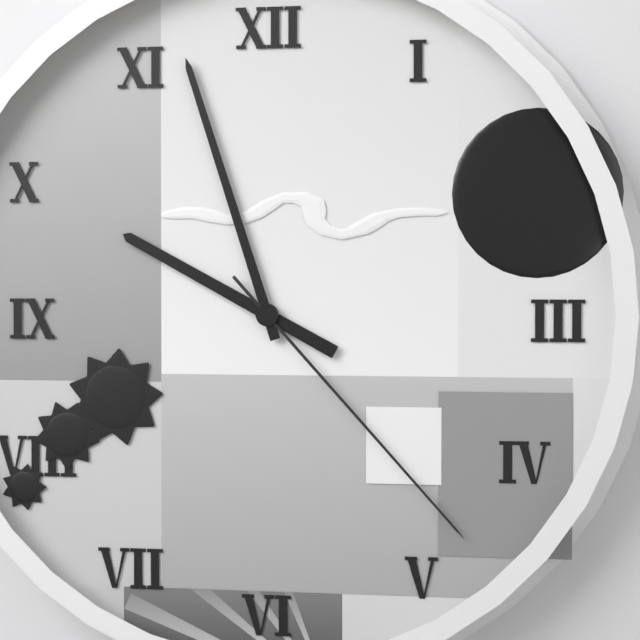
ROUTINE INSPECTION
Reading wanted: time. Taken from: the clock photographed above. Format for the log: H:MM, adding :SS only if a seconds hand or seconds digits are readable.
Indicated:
9:57:23
